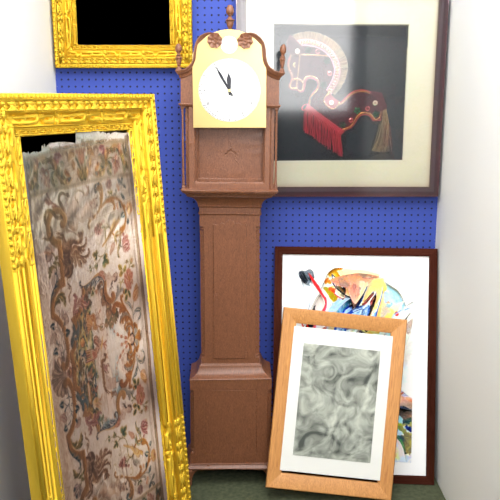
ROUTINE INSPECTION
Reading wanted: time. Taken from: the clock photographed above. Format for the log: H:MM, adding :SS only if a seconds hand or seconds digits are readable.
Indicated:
11:55
